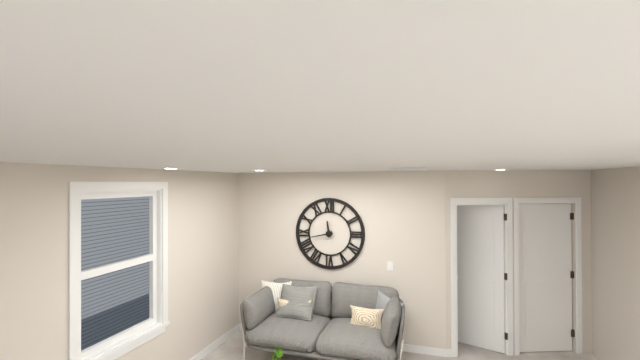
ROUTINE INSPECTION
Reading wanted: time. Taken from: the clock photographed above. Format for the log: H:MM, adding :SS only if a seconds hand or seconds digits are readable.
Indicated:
11:43
